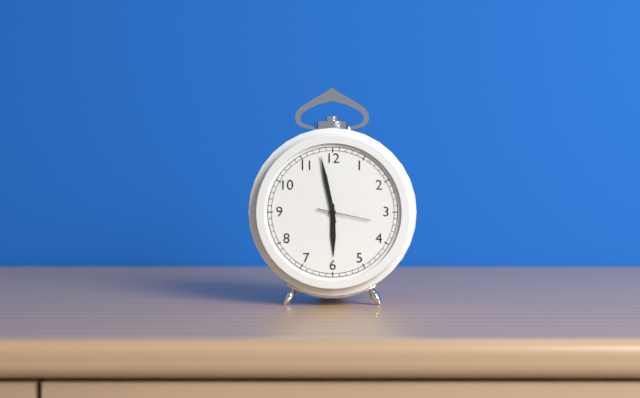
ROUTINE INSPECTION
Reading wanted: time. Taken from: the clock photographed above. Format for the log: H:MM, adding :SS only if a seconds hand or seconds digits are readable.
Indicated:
5:58
